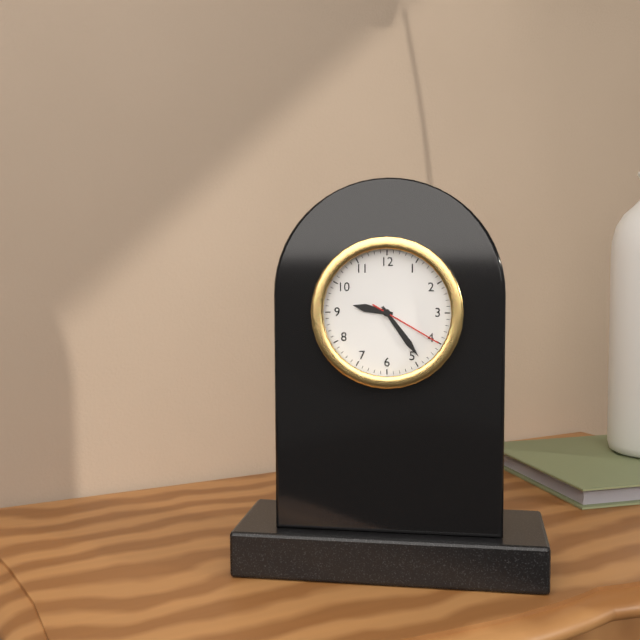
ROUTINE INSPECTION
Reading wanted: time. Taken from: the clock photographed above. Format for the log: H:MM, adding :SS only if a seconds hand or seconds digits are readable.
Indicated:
9:24:20
